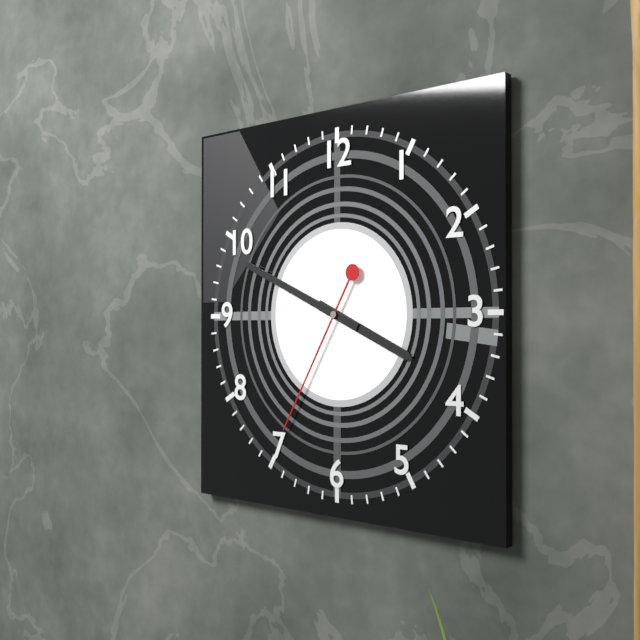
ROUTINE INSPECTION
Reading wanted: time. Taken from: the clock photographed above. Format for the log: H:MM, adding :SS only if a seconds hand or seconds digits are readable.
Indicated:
3:49:35
